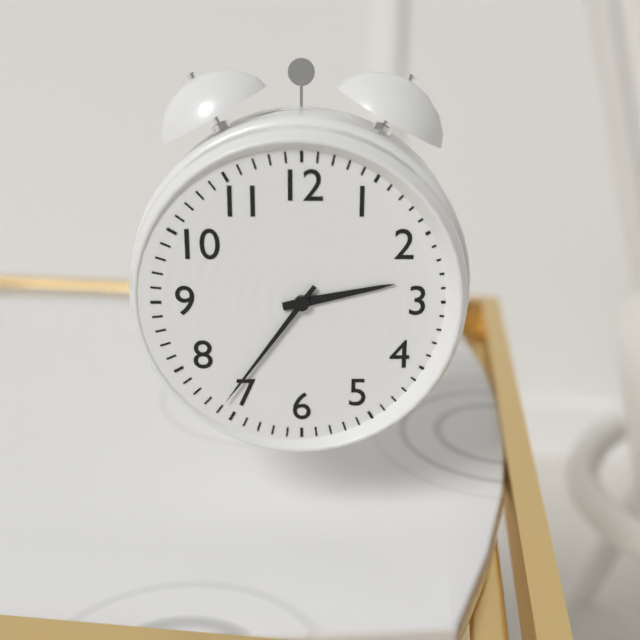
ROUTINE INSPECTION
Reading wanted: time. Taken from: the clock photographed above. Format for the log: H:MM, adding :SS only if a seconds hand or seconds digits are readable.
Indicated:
2:36
